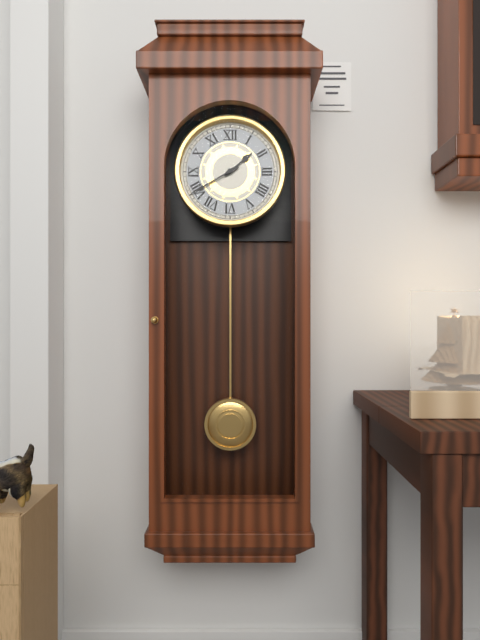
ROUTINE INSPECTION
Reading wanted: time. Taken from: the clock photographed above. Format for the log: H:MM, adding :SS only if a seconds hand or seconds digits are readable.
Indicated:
1:40
